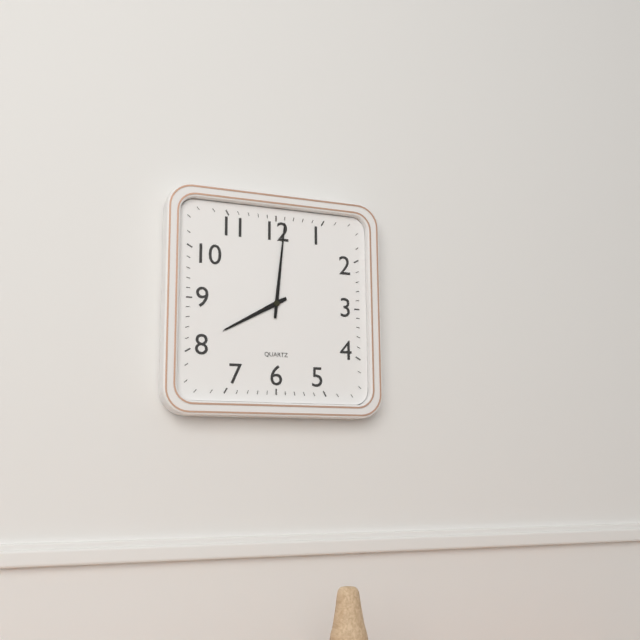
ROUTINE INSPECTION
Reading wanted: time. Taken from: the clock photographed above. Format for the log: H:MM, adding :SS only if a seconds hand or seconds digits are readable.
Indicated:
8:01
